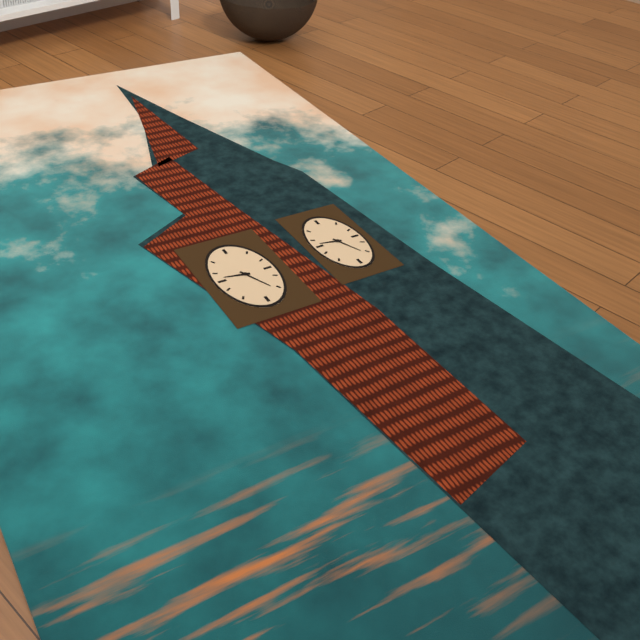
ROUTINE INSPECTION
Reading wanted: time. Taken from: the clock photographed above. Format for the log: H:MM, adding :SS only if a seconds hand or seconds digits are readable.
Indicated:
9:26
